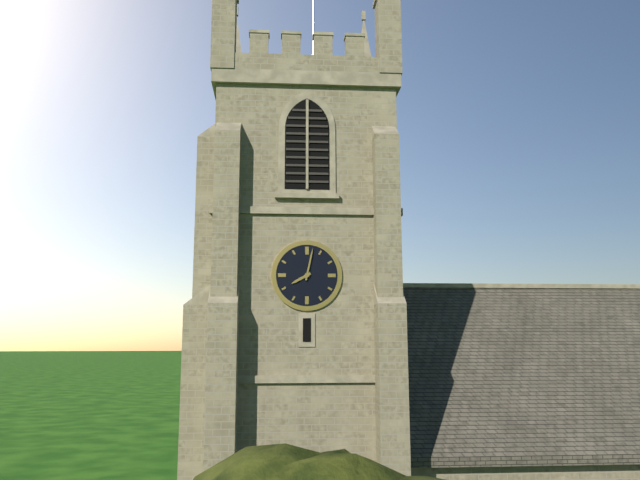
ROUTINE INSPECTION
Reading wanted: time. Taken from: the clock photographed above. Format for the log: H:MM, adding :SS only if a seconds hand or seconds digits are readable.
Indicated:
8:02
